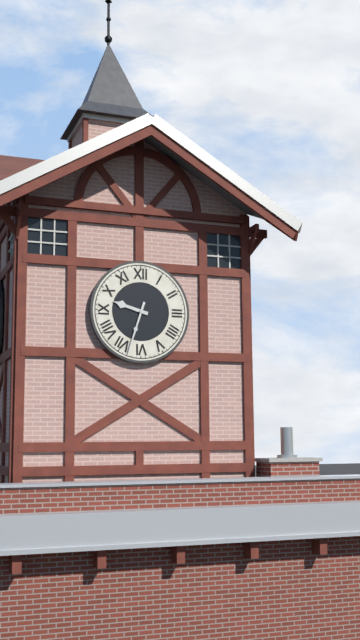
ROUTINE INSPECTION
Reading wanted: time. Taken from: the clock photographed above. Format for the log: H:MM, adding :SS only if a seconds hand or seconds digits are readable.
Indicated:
9:33
